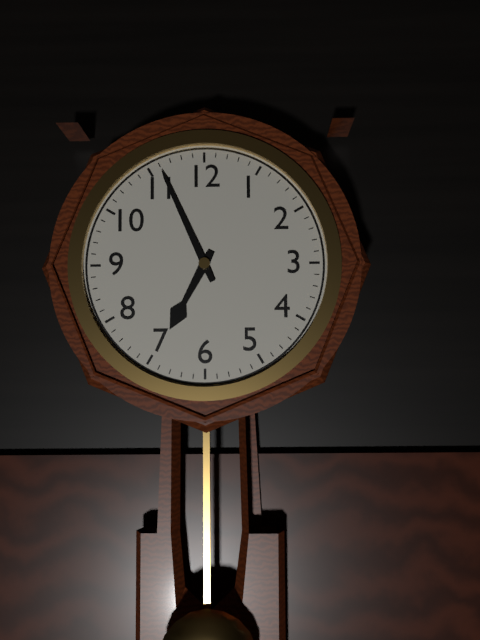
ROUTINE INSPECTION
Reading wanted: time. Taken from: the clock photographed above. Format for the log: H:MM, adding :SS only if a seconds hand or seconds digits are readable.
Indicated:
6:56
